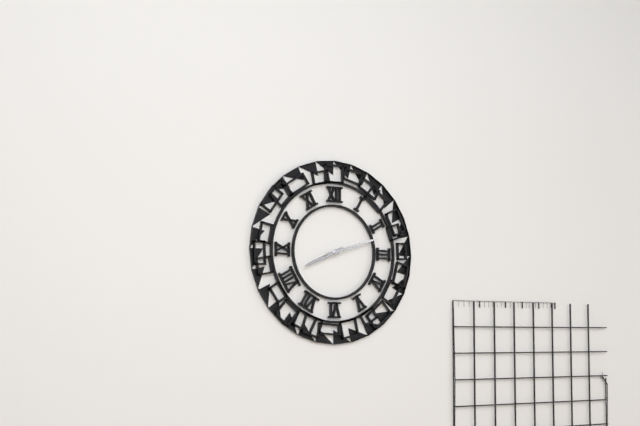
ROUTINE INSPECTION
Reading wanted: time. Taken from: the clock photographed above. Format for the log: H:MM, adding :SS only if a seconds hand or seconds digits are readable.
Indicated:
8:12
